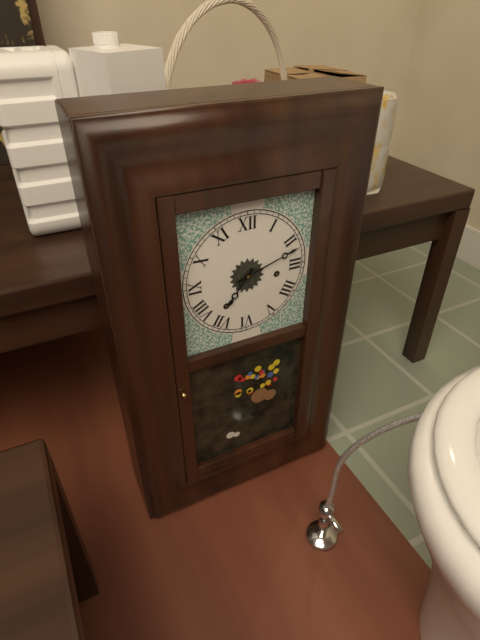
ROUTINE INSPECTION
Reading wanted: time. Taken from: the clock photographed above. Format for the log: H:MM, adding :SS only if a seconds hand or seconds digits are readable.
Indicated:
7:12
